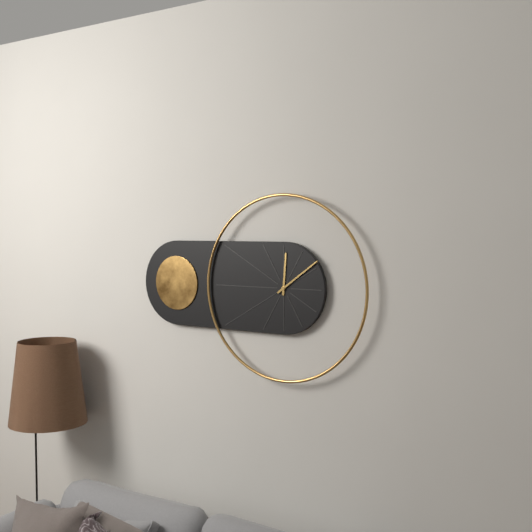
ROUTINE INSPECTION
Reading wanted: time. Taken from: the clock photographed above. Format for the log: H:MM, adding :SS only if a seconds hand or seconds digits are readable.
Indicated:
12:09
